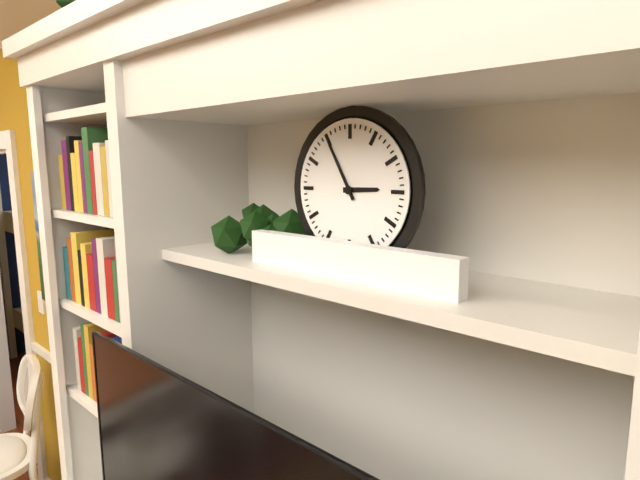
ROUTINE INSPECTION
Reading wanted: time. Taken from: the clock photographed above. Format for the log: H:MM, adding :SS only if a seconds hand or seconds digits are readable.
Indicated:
2:55
